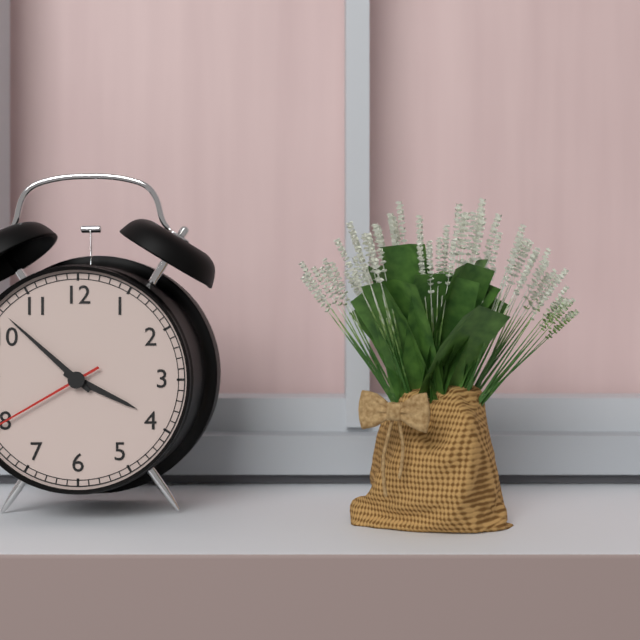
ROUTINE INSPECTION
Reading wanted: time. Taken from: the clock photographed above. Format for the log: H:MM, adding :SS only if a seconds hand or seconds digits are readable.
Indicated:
3:52
